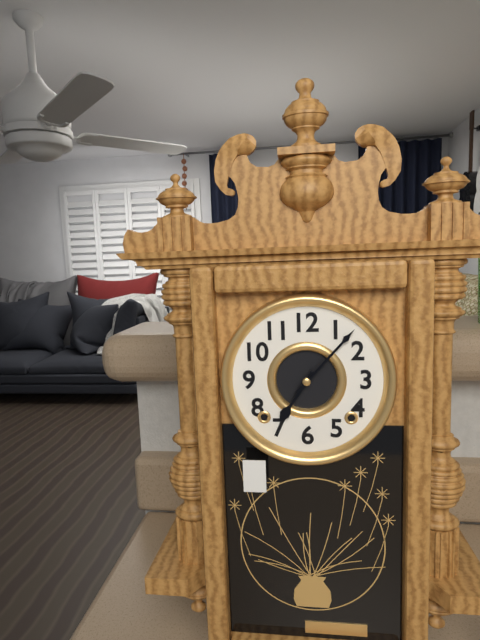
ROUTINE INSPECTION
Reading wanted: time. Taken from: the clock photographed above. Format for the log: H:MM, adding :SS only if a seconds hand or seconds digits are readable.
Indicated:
7:07
